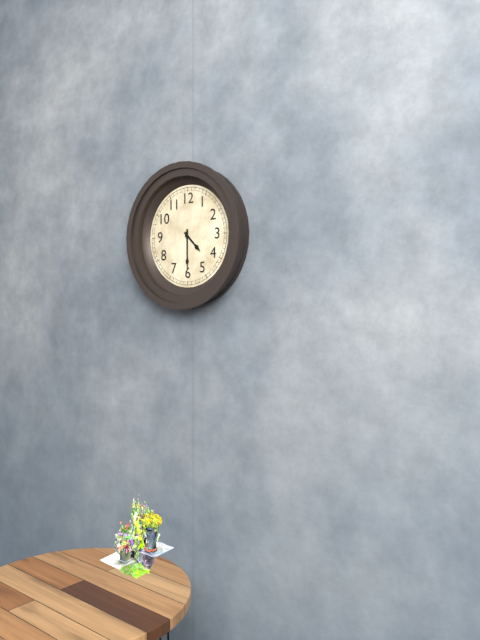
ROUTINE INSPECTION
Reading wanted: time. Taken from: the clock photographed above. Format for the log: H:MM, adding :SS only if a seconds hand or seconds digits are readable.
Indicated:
4:30
